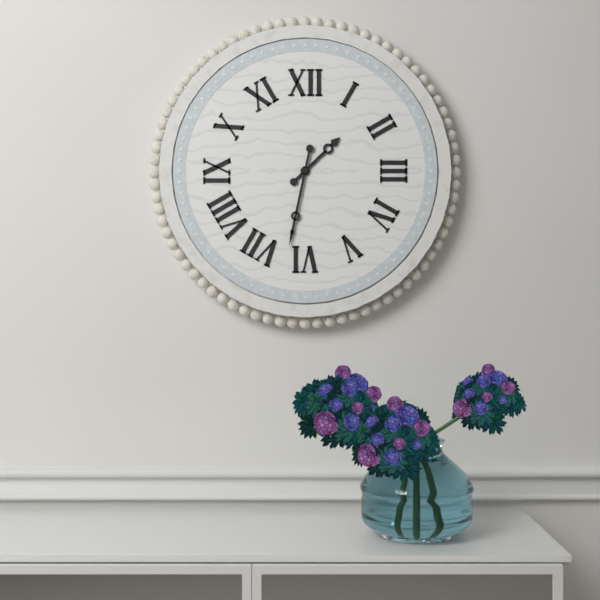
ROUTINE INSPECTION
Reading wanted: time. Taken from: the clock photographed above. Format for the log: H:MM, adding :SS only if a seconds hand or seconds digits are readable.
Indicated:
1:32
